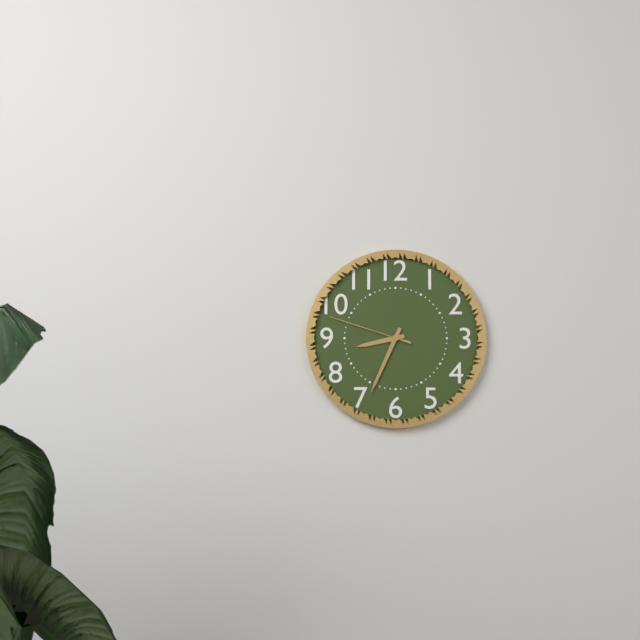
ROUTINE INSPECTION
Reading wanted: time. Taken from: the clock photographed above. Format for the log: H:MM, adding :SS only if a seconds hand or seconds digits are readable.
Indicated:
8:34:48
